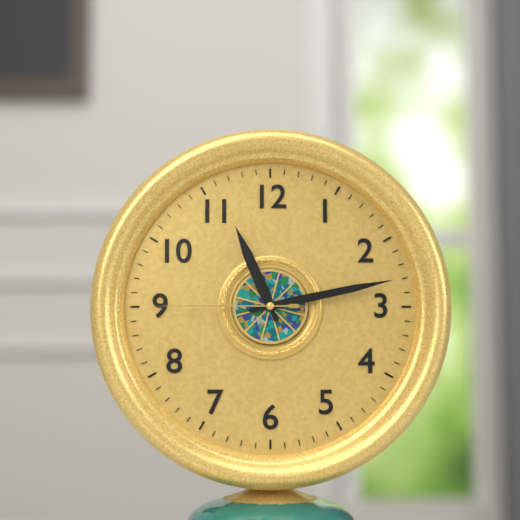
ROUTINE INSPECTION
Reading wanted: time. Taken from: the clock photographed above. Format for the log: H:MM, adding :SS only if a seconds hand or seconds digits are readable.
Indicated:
11:13:45
